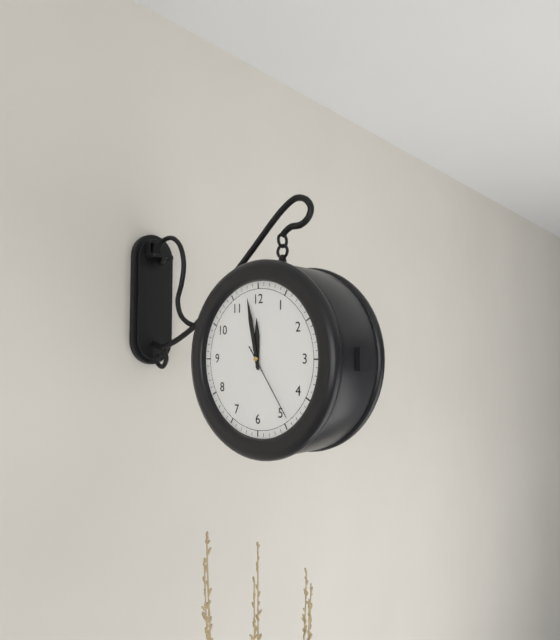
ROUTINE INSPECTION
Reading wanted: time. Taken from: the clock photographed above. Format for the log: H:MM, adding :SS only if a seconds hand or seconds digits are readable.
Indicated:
11:58:24
